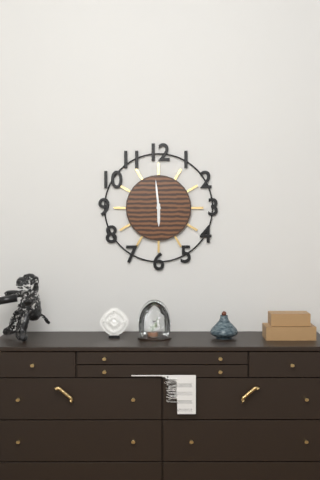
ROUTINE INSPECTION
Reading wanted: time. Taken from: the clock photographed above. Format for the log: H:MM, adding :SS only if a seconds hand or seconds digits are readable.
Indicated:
5:59
